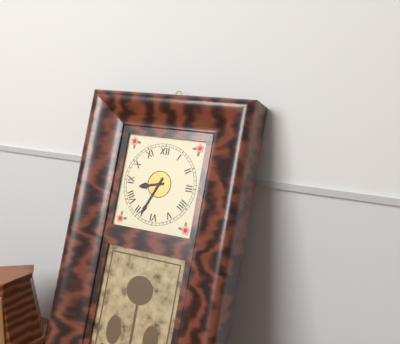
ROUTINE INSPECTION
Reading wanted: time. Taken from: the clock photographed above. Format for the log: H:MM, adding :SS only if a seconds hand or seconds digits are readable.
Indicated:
8:34
